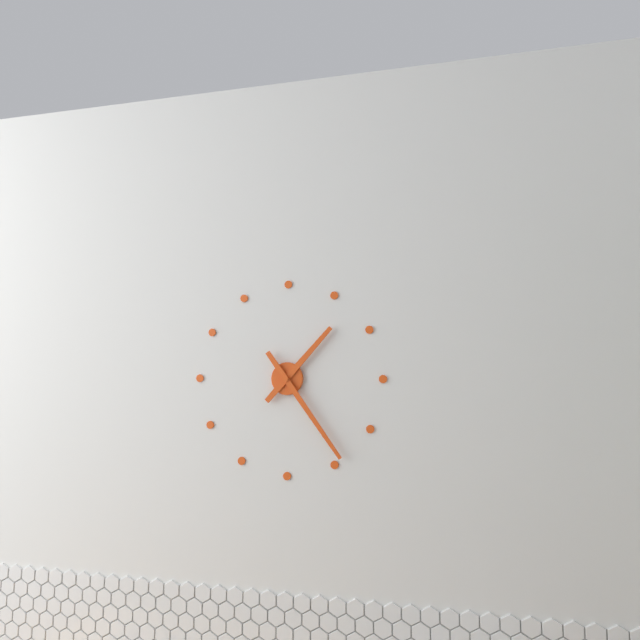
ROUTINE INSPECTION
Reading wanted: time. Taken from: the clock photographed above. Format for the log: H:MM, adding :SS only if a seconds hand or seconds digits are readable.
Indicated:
1:24
